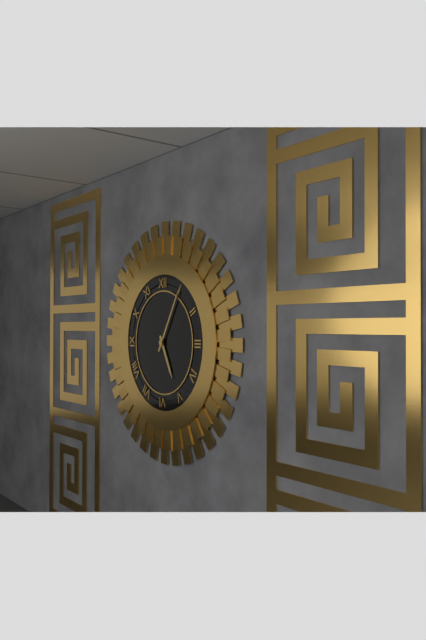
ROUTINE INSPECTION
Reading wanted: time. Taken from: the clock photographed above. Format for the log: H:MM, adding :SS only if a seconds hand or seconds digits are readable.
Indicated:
5:05
